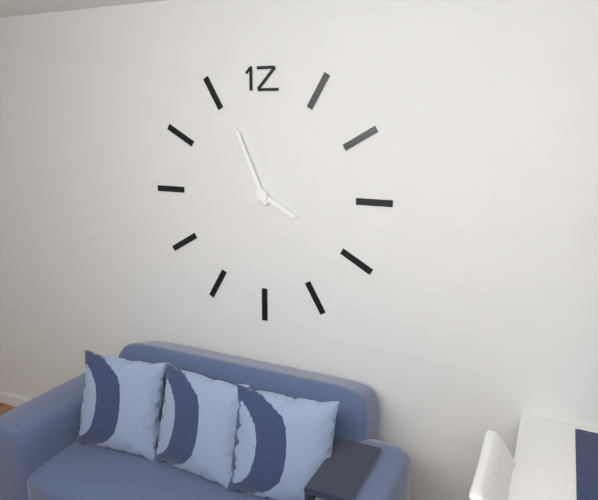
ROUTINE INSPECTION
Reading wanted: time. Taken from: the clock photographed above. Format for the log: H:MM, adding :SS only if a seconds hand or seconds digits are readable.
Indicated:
3:56
